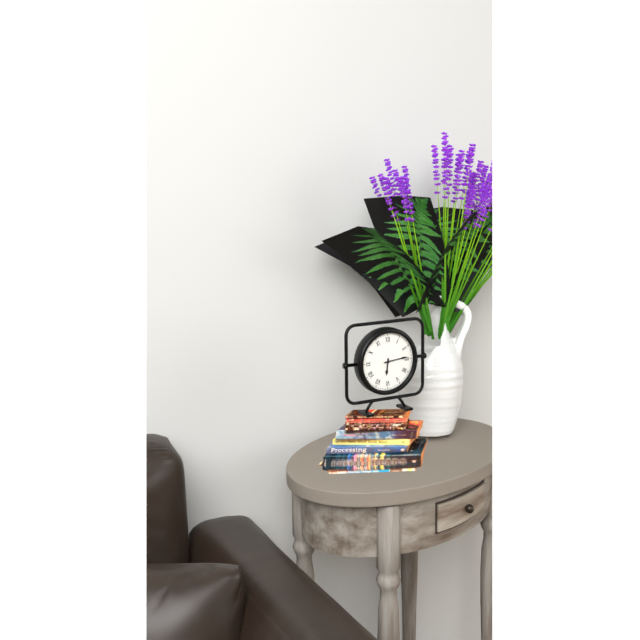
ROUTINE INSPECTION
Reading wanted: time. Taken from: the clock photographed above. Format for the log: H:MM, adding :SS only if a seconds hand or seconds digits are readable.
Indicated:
6:14
